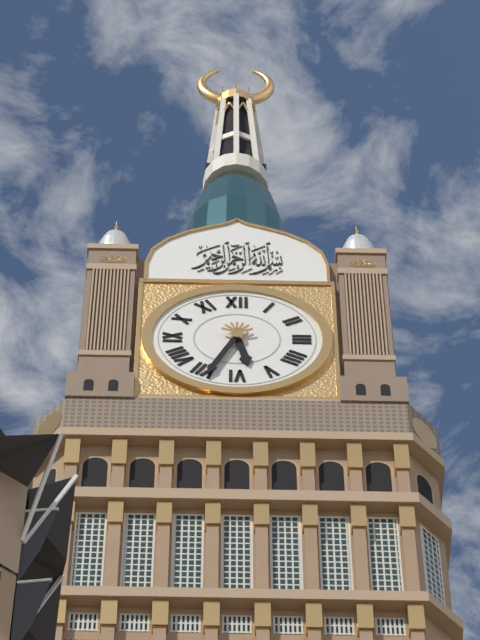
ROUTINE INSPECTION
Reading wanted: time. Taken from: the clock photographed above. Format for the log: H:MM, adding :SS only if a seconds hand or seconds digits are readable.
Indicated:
5:34
